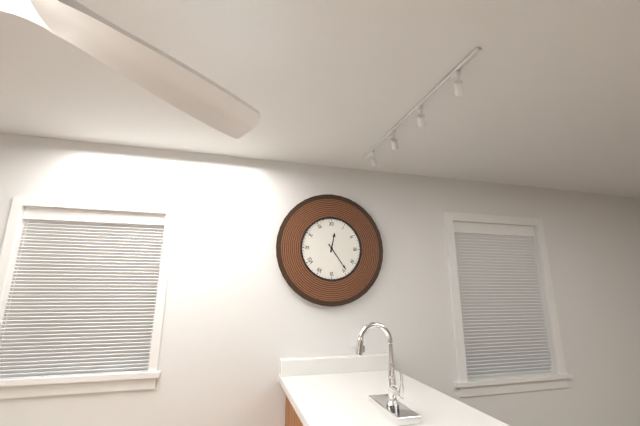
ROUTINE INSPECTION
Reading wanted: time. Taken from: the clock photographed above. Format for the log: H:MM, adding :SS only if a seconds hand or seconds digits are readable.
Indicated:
12:24
